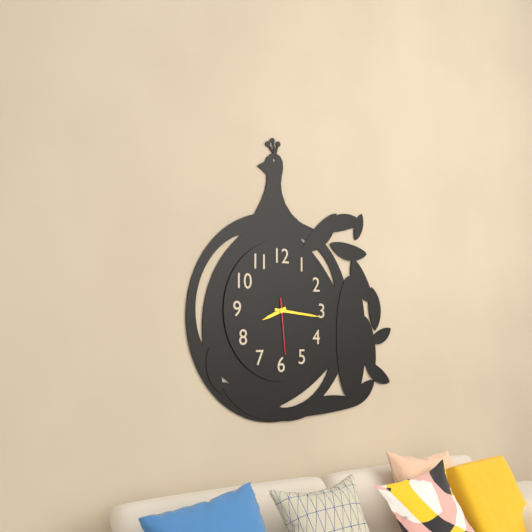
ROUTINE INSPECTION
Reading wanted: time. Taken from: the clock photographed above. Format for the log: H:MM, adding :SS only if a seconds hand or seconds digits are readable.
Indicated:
8:16:29
